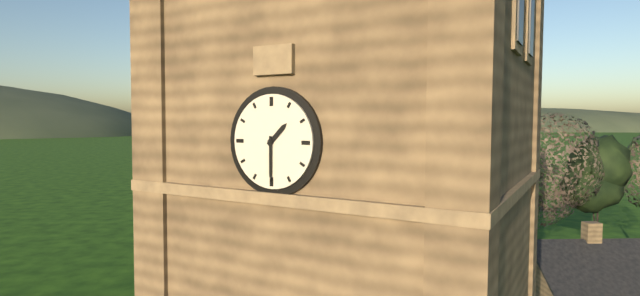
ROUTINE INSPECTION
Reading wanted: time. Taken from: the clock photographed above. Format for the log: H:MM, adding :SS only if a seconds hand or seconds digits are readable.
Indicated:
1:30
